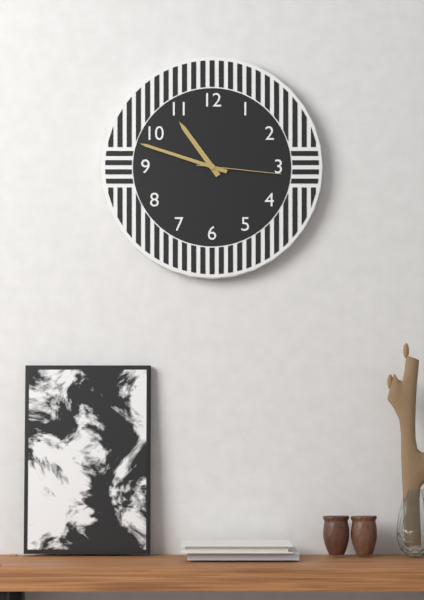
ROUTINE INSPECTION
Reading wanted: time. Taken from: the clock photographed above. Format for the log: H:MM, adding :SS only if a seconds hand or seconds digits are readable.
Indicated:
10:48:16
